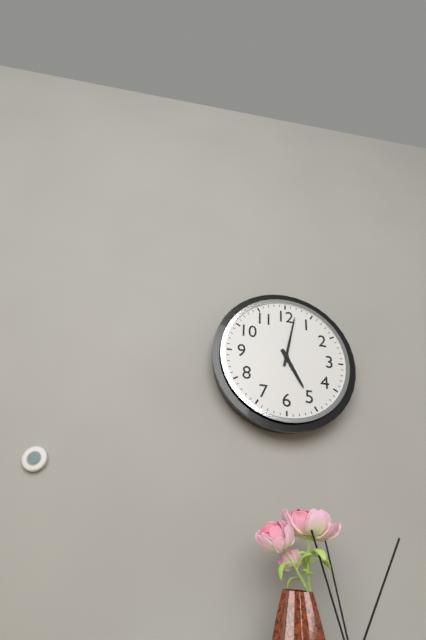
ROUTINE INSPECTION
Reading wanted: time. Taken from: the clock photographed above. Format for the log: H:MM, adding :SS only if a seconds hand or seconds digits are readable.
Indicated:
5:02
